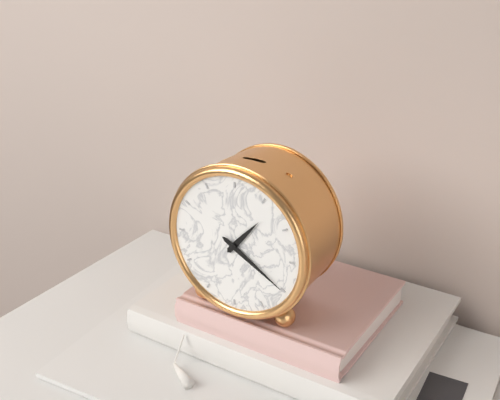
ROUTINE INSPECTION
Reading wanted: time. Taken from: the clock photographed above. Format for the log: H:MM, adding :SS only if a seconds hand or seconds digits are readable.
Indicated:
1:20
